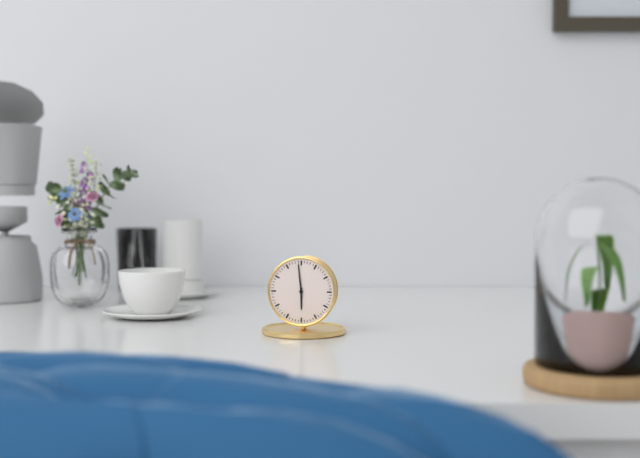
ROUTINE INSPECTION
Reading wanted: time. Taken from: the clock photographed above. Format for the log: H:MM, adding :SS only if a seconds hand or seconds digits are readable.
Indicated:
5:59
